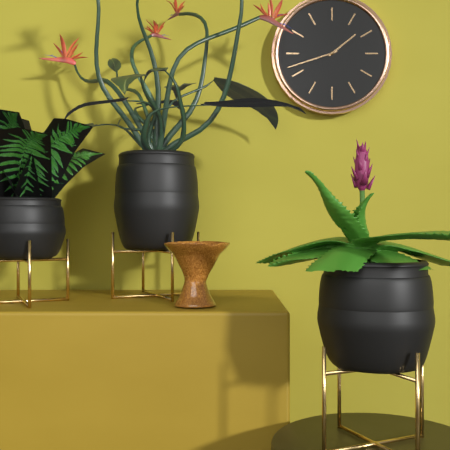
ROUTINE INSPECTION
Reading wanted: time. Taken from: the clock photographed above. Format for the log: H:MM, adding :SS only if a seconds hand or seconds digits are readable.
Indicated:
1:42
